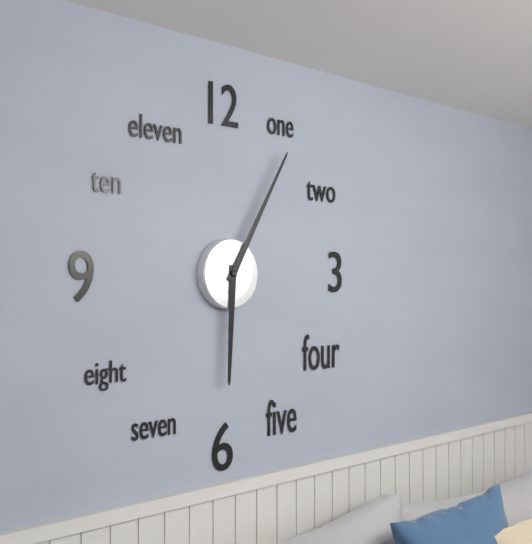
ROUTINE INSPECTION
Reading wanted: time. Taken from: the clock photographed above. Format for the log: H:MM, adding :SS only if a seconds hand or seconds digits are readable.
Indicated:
6:05
